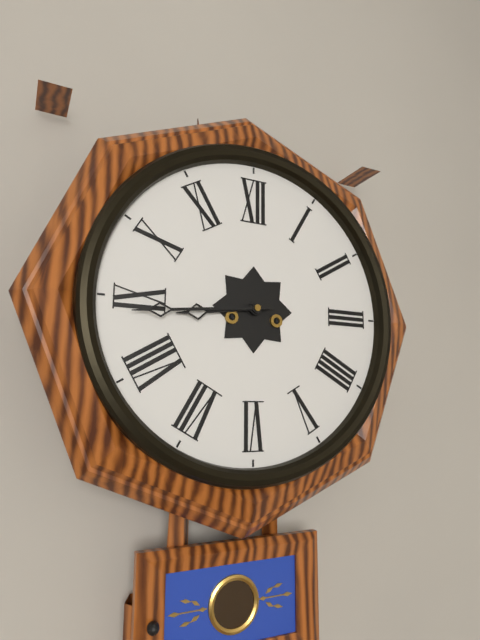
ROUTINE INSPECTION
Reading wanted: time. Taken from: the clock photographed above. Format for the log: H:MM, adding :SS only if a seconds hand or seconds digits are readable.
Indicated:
8:44
